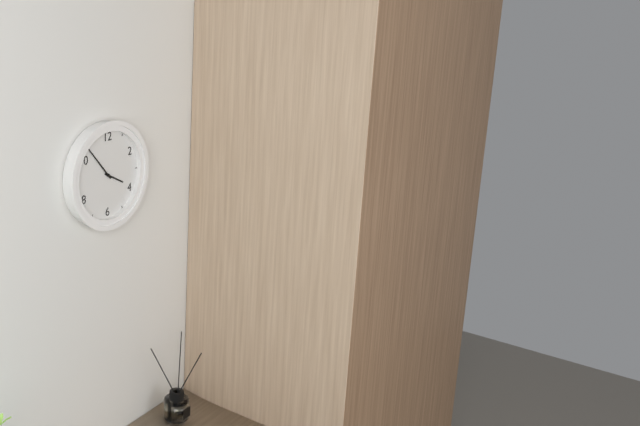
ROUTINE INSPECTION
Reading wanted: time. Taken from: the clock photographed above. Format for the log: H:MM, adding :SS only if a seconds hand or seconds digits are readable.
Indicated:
3:53
